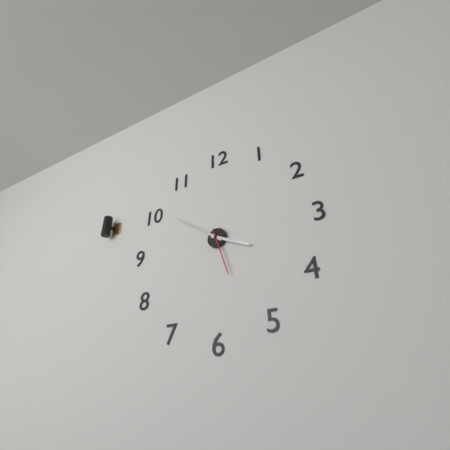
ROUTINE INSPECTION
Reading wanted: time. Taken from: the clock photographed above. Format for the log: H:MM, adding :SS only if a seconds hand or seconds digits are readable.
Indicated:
3:51:27
